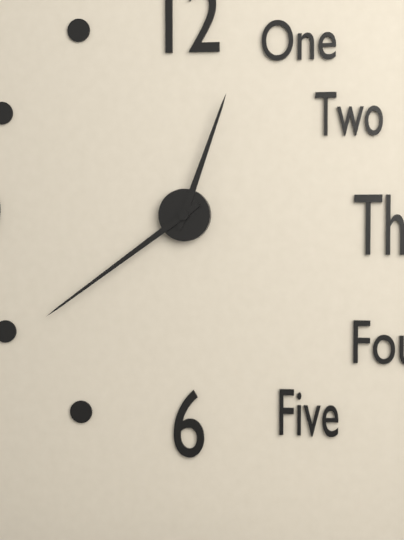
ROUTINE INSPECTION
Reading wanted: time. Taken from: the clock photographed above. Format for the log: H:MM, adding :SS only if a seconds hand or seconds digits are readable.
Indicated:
12:39
